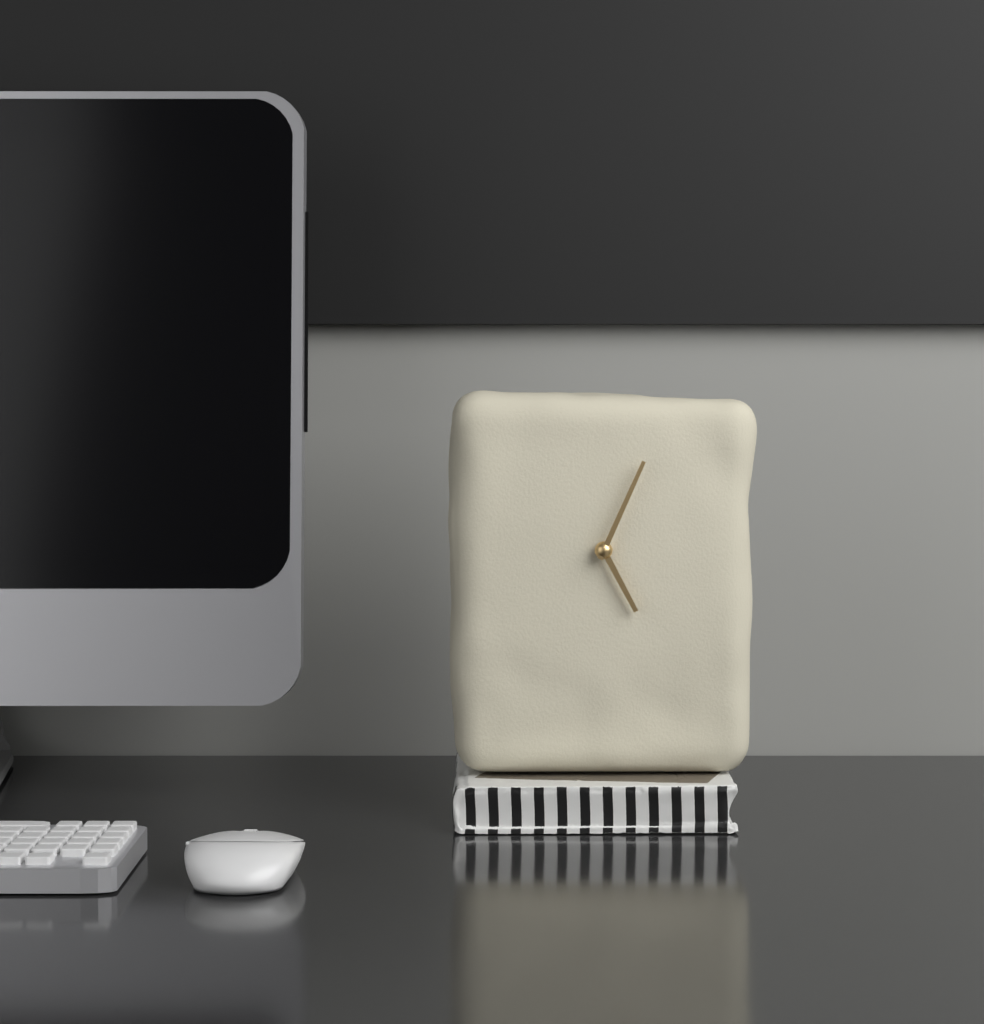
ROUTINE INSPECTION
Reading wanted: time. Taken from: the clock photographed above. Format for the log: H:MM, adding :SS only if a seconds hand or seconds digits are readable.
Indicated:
5:04
